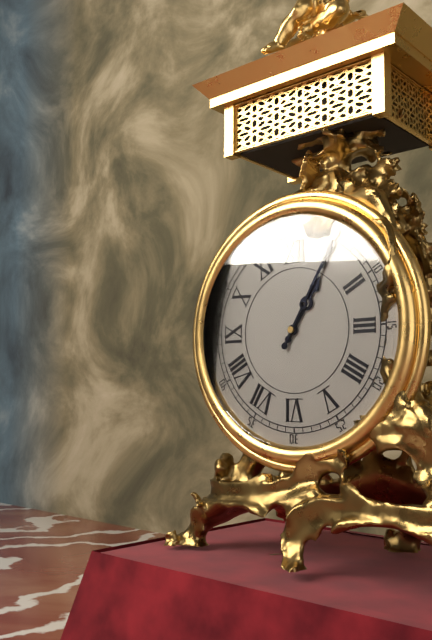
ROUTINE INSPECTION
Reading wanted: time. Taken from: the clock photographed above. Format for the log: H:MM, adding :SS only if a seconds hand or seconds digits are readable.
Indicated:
1:05
